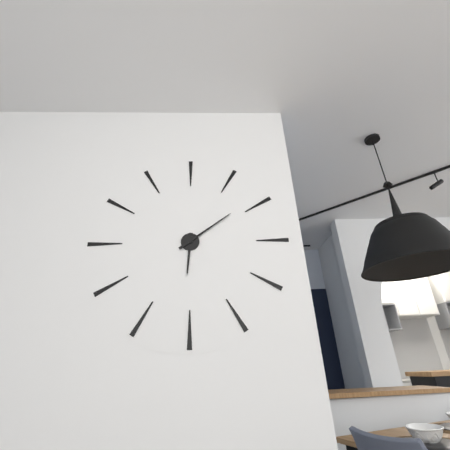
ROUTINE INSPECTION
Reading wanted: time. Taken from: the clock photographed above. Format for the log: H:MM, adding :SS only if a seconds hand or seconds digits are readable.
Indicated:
6:09
